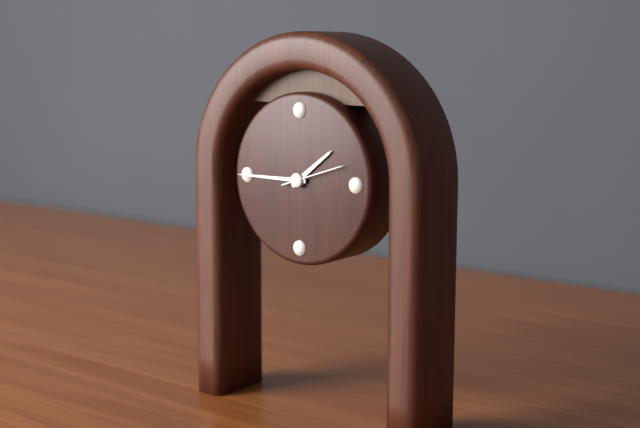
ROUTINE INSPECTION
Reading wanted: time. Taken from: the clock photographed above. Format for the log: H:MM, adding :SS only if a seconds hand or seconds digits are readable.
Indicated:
1:45:12
